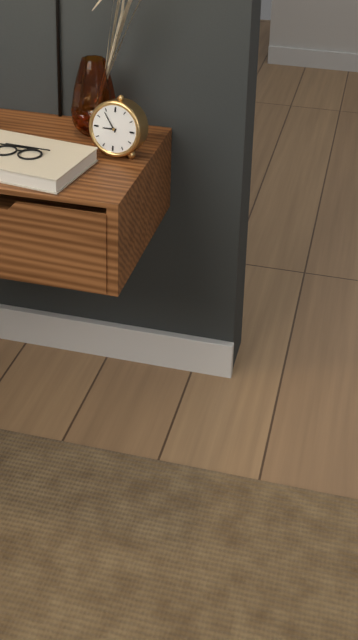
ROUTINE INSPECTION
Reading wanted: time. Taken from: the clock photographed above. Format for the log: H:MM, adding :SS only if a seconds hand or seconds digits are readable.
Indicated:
8:54
